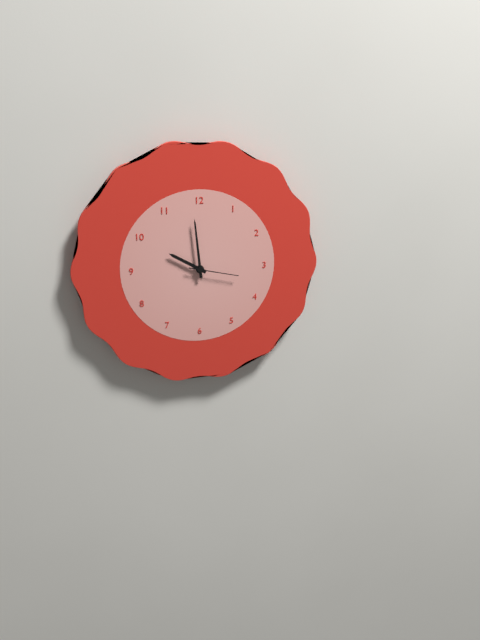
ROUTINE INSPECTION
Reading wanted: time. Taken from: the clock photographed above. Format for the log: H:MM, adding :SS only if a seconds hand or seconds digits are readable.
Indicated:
9:59
